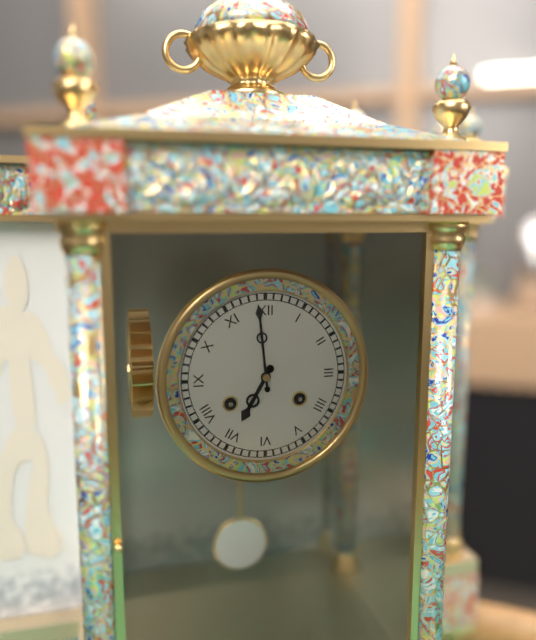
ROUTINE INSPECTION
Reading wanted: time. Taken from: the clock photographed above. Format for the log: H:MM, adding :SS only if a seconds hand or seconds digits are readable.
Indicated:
6:59
